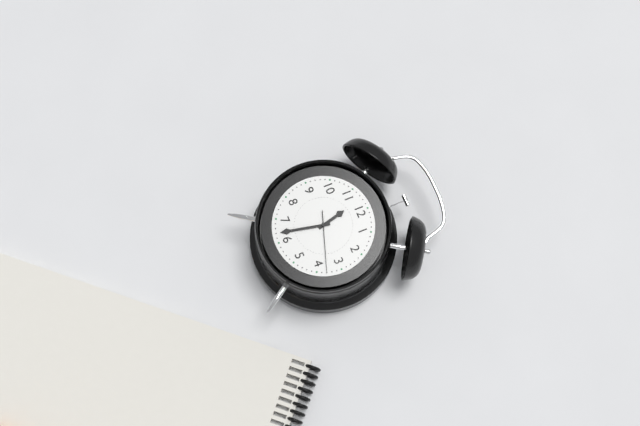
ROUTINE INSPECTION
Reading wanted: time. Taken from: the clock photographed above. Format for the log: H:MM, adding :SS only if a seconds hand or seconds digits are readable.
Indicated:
11:32:18
